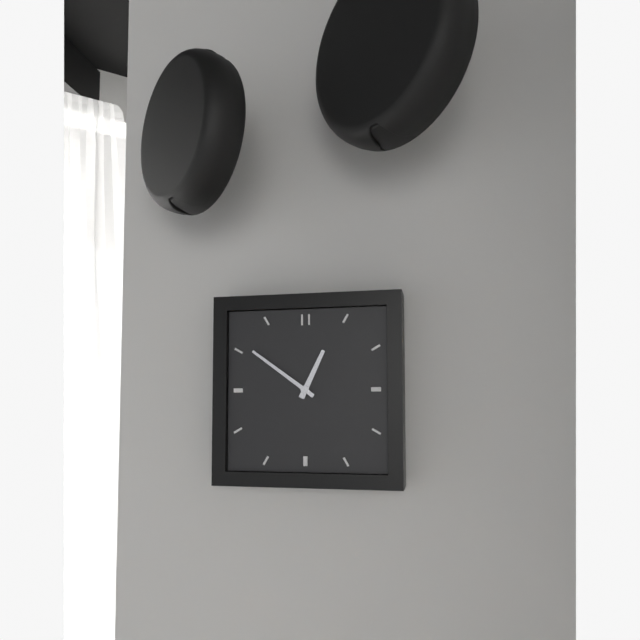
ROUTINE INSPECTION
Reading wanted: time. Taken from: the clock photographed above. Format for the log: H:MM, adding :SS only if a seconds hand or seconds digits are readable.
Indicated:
12:51
